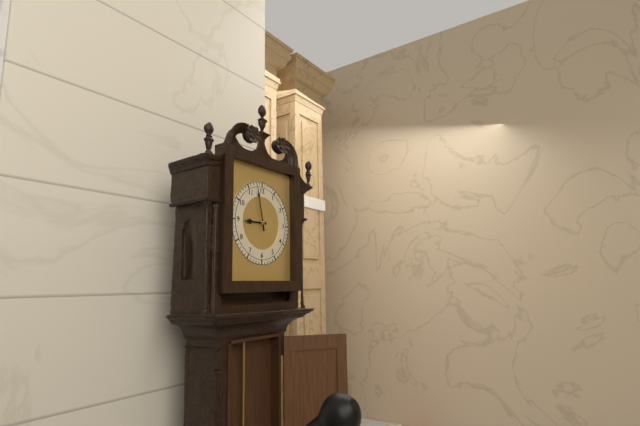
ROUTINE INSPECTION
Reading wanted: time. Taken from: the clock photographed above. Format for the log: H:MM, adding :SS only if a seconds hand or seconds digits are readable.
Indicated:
8:58
